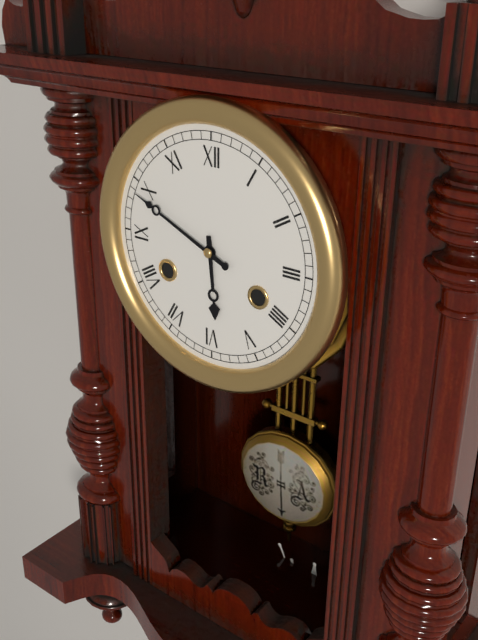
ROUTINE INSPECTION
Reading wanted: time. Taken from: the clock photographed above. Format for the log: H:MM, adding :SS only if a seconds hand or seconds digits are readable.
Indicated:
5:49
